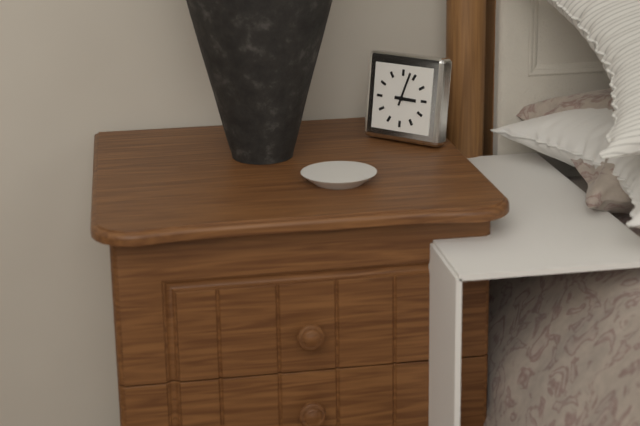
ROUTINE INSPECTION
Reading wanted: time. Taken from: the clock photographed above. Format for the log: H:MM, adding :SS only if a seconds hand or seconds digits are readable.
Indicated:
3:03
